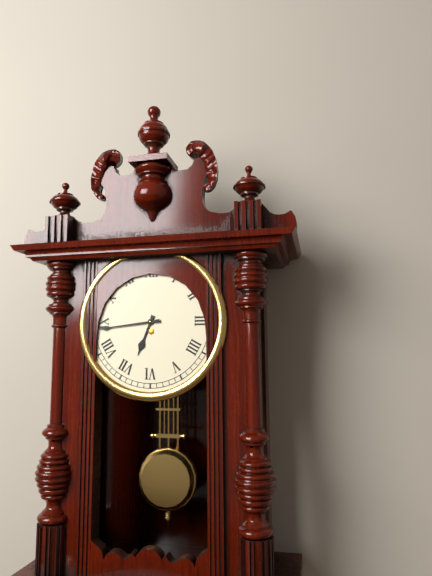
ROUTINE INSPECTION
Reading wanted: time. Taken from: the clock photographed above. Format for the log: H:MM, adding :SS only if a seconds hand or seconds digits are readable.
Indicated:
6:44
